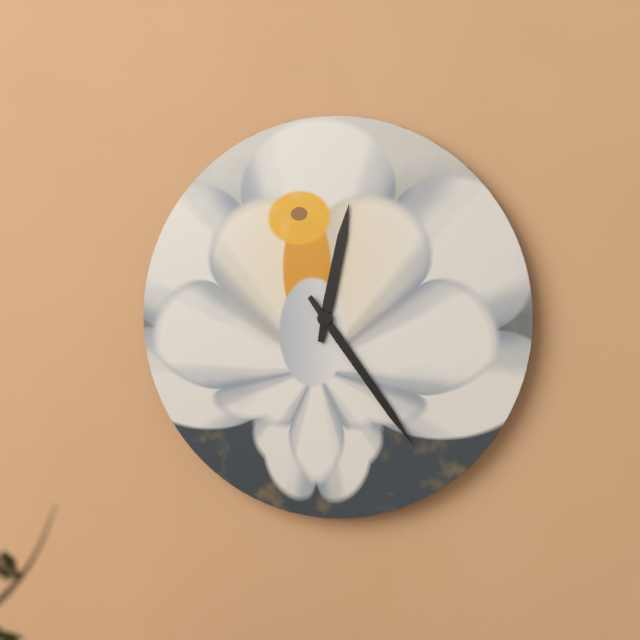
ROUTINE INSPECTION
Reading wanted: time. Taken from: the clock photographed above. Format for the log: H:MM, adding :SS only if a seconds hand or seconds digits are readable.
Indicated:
12:24
